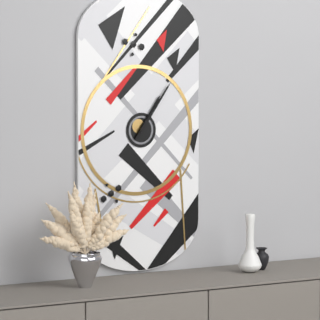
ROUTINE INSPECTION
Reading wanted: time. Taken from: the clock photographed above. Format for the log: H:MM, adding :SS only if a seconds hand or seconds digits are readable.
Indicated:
1:06
